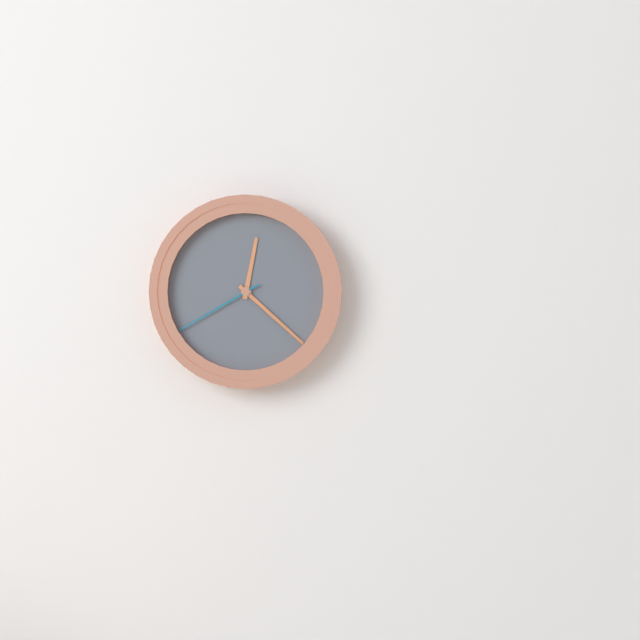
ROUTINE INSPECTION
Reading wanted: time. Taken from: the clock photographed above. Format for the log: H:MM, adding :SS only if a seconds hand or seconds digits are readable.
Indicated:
12:22:40
